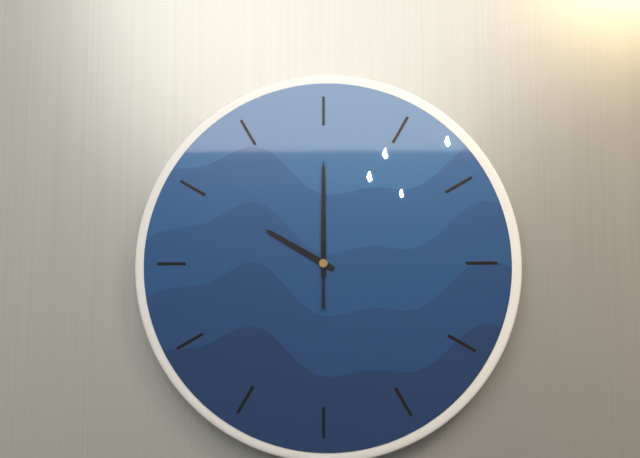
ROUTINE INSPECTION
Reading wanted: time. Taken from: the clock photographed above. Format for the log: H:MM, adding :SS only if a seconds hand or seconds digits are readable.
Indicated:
10:00:00
